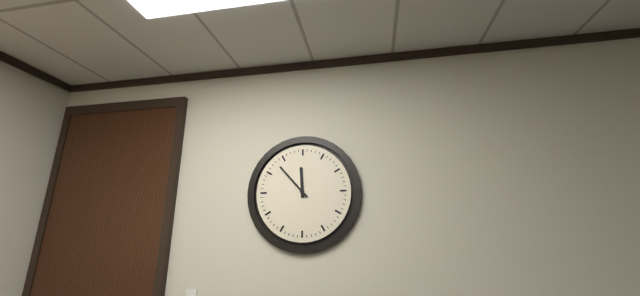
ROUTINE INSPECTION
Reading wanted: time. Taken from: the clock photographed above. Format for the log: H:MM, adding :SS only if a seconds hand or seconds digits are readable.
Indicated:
11:53
